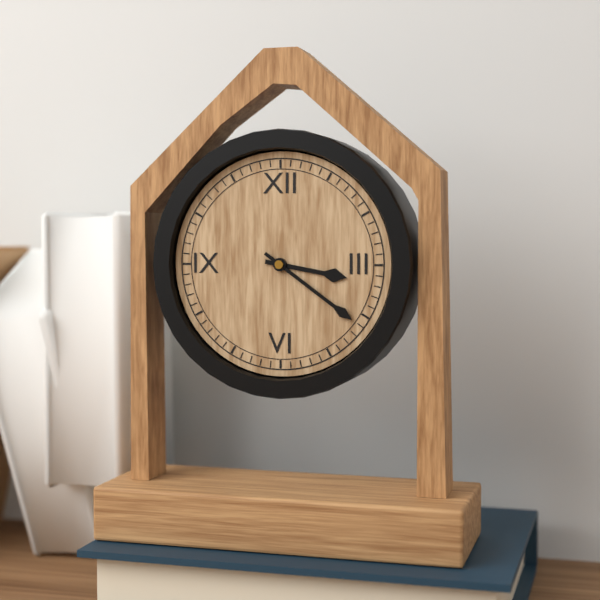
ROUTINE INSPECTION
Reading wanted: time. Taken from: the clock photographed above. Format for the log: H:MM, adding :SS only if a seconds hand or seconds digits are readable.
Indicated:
3:21
